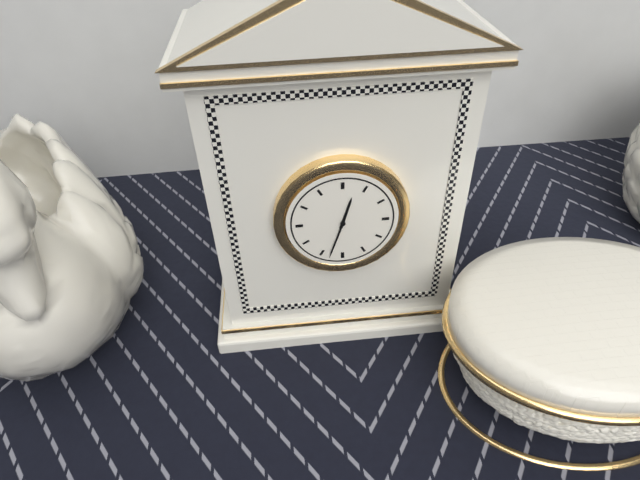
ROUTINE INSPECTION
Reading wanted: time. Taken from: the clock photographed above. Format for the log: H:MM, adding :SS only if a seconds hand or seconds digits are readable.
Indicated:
12:33
